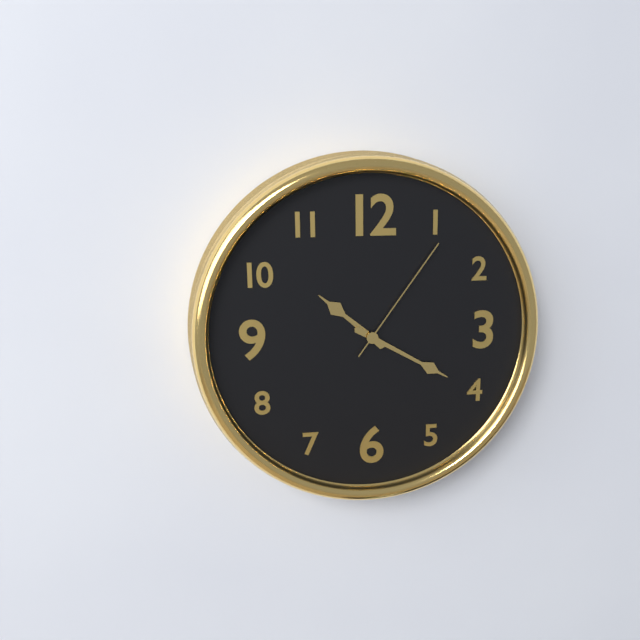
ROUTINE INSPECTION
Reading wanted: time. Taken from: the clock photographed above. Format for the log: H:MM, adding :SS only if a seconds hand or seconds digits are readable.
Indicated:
10:20:06
